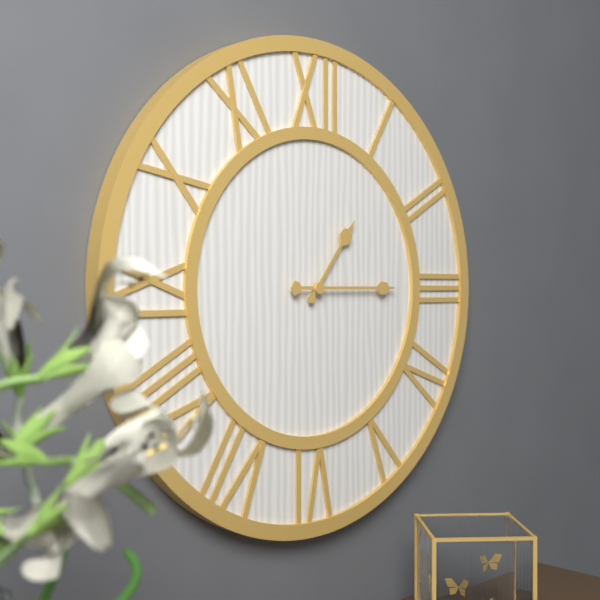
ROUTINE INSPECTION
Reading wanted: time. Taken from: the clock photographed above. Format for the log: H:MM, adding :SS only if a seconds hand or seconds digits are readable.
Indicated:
1:15
